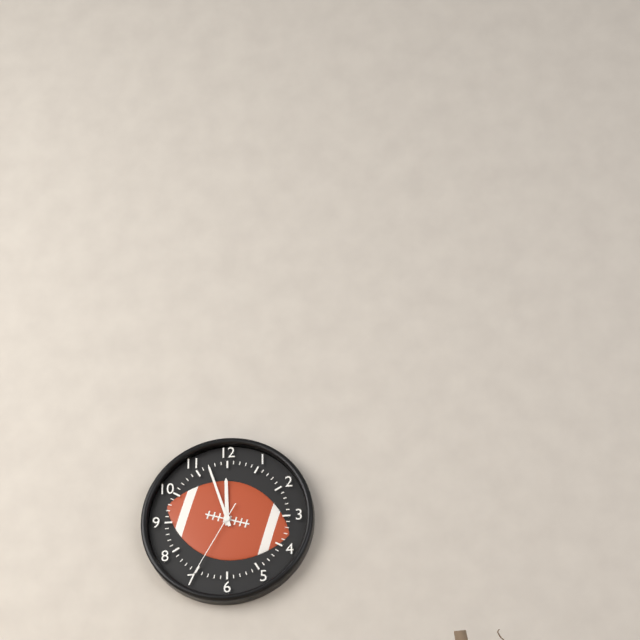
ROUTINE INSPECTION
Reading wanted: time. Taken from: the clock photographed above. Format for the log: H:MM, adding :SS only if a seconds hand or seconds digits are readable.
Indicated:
11:57:35
